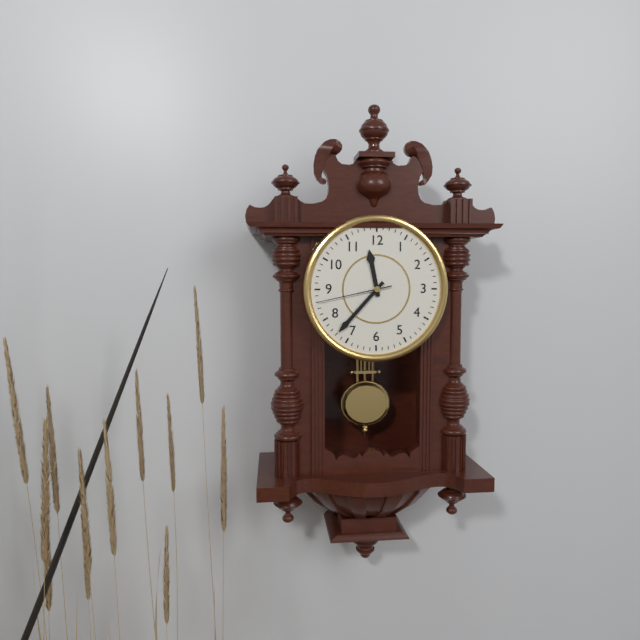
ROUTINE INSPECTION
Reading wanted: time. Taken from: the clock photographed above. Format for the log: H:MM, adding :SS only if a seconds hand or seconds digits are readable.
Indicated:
11:37:43
